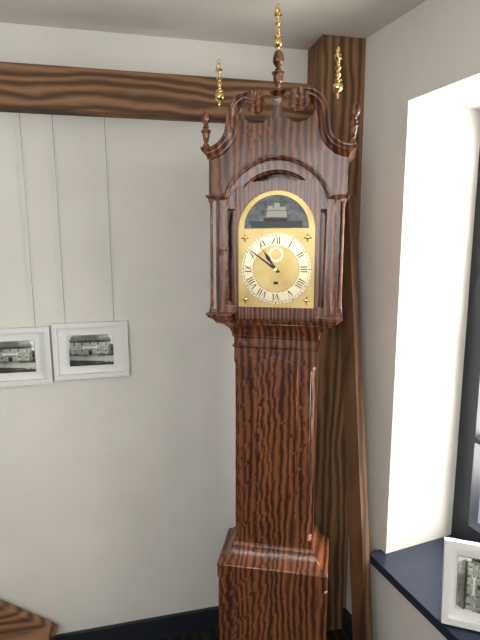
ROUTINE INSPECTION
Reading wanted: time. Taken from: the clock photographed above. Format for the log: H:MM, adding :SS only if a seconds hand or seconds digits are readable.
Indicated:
10:51
